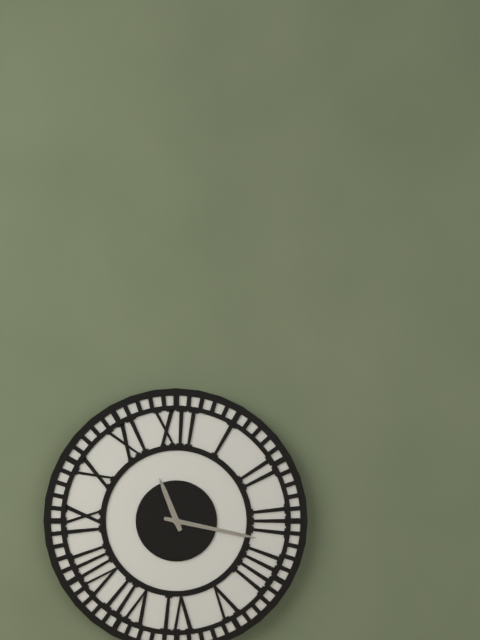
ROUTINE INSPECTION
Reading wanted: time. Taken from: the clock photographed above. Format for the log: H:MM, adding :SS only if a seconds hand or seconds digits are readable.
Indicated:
11:17
